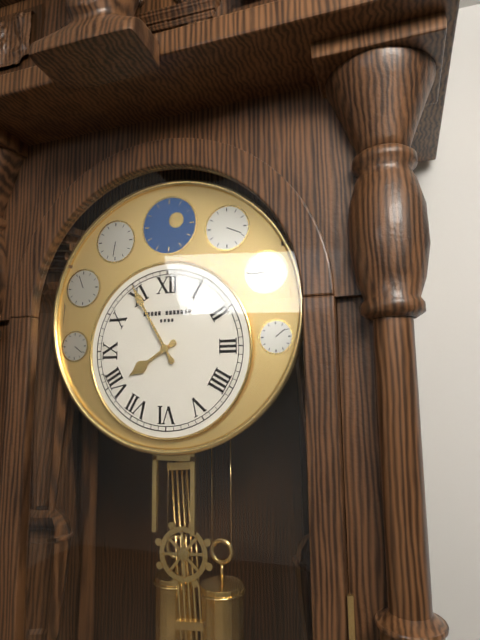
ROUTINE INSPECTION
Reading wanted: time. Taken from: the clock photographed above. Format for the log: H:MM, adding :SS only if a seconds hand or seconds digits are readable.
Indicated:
7:55
